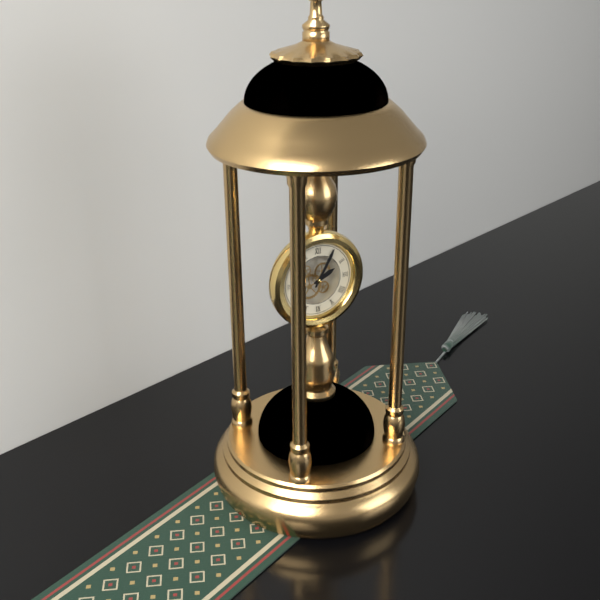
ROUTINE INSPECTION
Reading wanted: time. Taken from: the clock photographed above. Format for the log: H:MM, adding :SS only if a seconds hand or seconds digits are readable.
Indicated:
2:05
